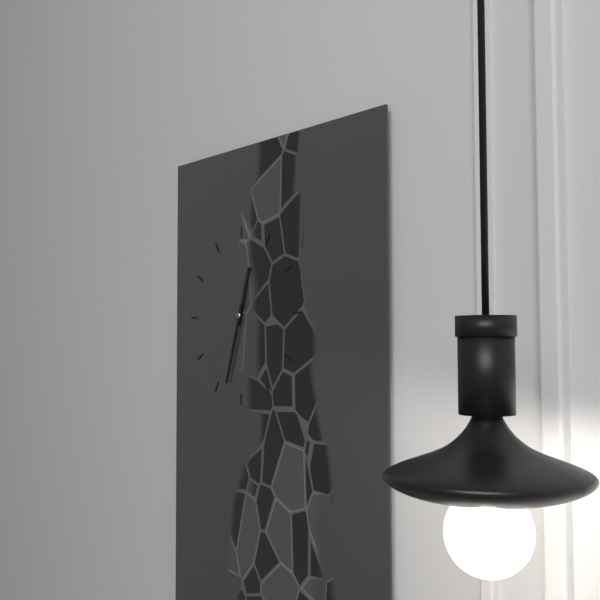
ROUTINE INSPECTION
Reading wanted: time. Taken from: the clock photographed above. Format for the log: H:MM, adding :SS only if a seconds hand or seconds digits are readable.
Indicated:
12:33
